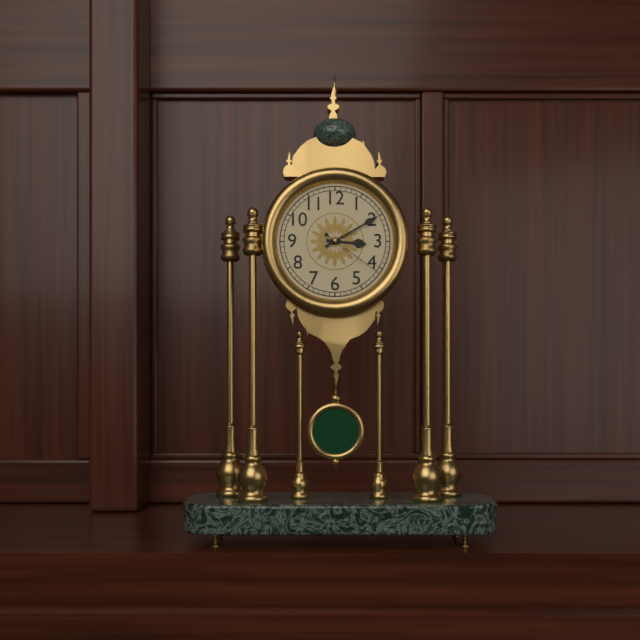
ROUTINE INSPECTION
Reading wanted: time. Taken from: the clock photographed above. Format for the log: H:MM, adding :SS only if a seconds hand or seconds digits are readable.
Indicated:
3:10:21
